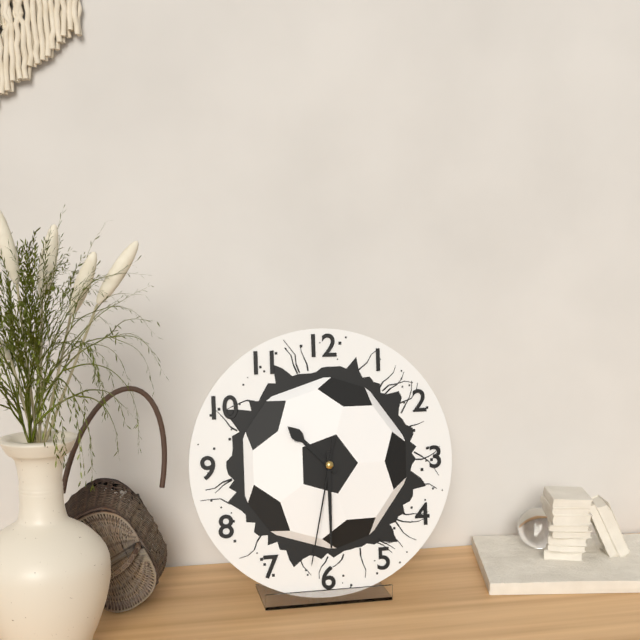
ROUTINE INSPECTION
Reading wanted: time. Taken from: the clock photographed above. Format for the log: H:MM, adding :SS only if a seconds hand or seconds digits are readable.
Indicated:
10:30:32
